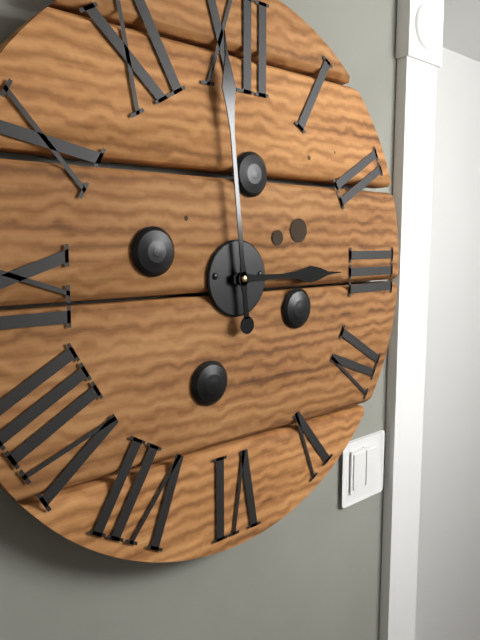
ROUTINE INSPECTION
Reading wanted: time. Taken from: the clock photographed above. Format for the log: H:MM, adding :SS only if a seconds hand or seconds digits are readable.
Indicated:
2:59
